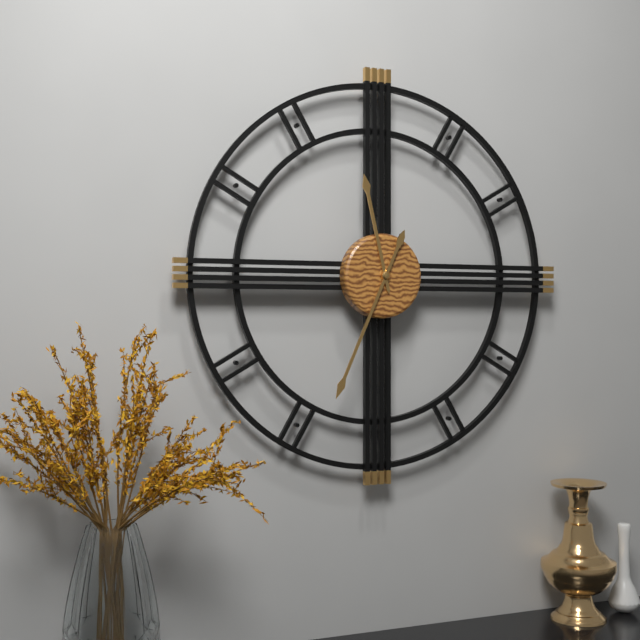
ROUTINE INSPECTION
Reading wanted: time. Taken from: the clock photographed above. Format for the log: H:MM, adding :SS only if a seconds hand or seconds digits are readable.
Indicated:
11:34
